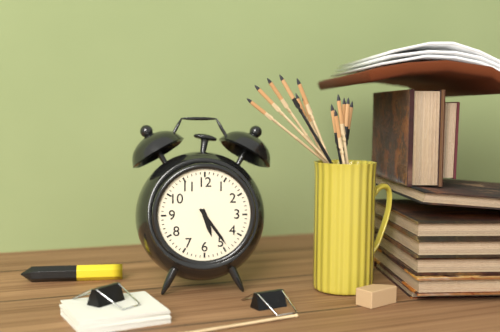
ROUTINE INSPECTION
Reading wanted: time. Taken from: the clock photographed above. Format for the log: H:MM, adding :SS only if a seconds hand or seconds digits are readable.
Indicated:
5:24
